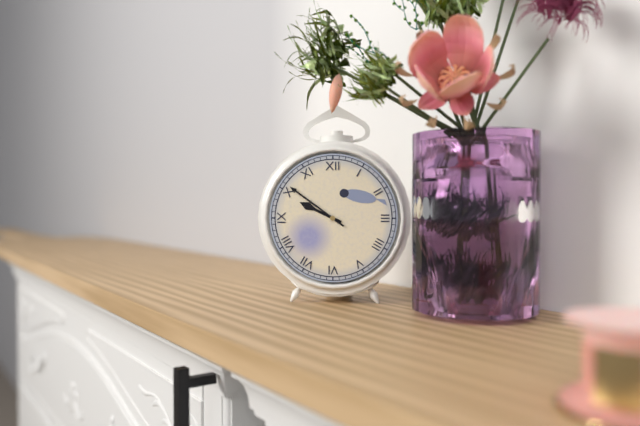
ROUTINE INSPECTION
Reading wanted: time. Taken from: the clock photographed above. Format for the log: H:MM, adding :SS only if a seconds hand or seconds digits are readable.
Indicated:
9:51
